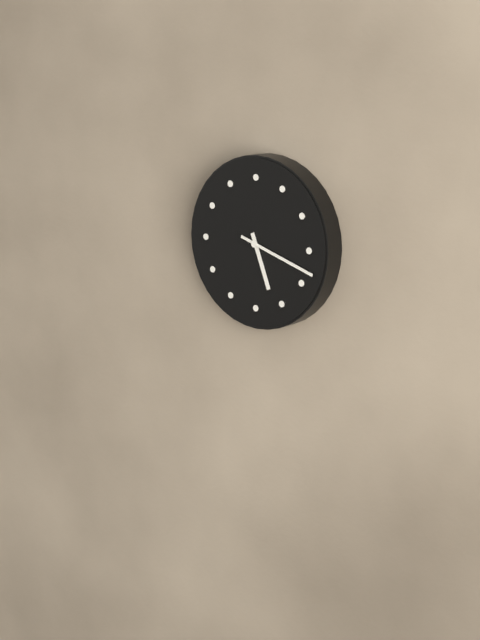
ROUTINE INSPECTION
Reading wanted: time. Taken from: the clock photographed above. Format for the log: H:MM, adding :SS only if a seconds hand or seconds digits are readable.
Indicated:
5:18
